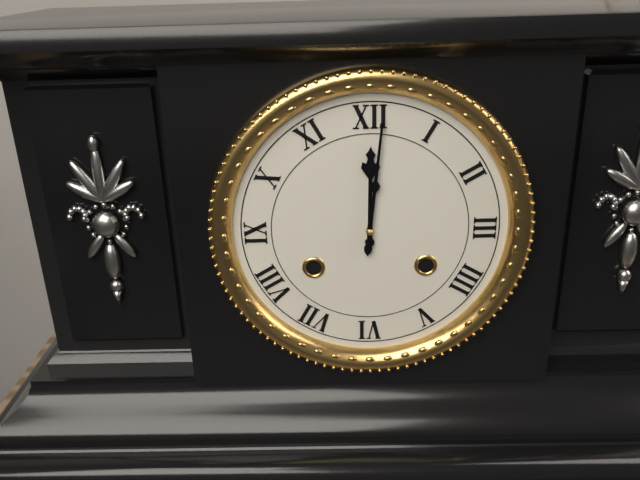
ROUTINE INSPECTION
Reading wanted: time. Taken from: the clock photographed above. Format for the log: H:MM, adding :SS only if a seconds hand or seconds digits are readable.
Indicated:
12:01
